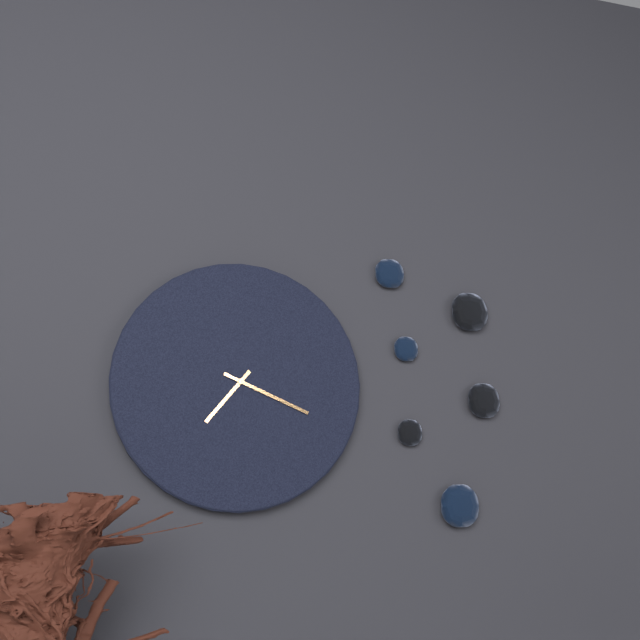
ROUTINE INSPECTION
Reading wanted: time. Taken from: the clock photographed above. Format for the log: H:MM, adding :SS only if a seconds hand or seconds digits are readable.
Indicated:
7:19
